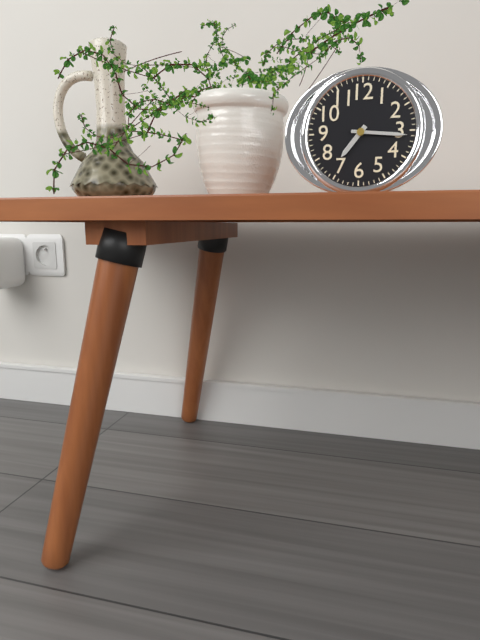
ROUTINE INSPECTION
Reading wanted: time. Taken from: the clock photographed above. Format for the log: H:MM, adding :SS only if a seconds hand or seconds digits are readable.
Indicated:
7:16
